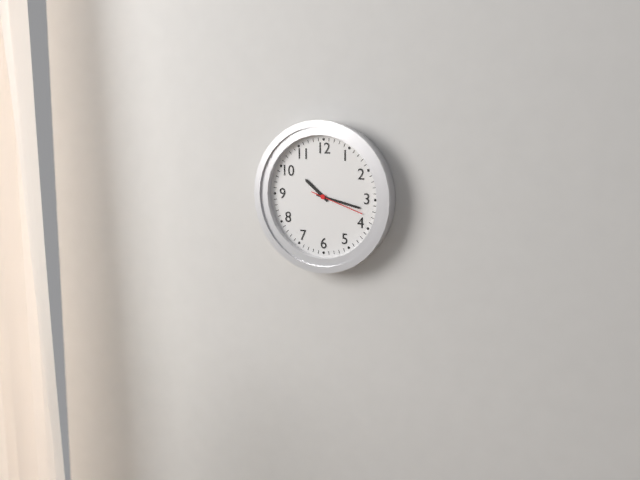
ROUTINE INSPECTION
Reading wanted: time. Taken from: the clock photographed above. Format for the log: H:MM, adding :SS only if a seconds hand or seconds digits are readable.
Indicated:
10:17:18
